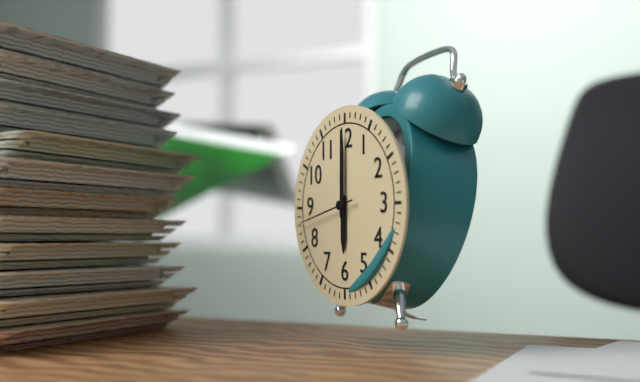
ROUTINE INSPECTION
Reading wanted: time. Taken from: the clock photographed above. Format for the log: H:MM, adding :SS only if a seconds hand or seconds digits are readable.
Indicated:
6:00:43
